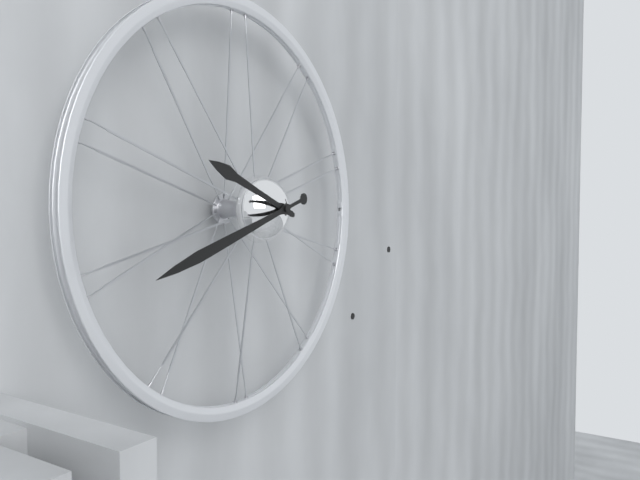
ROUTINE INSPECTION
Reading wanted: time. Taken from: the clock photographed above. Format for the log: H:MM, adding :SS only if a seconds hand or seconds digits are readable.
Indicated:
9:42
